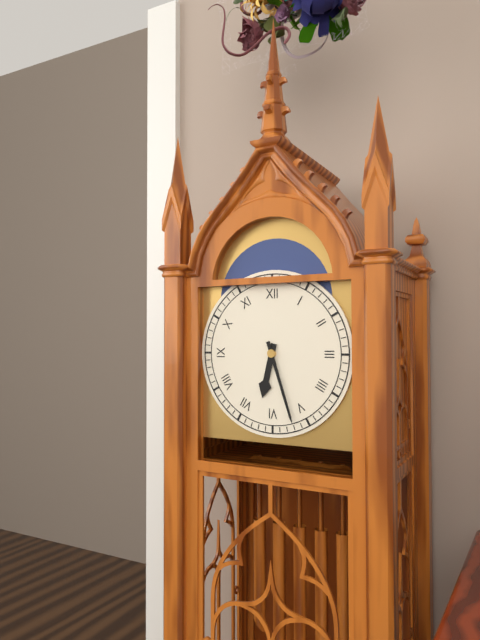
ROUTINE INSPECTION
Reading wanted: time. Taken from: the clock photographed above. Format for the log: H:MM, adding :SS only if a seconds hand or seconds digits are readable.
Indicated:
6:27
